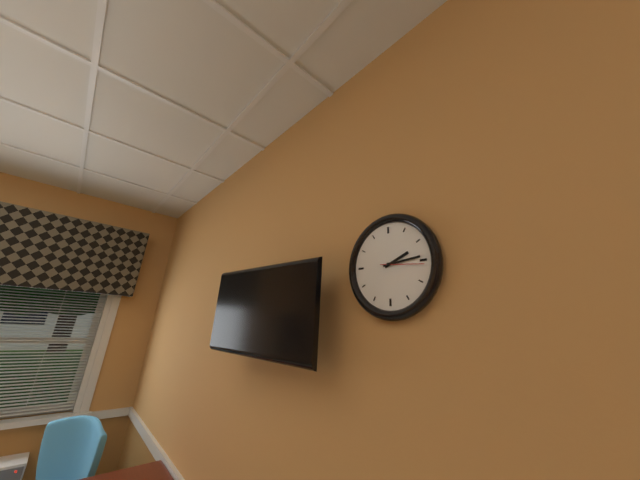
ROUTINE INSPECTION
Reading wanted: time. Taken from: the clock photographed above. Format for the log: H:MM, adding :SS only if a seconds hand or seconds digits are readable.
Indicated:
2:14
